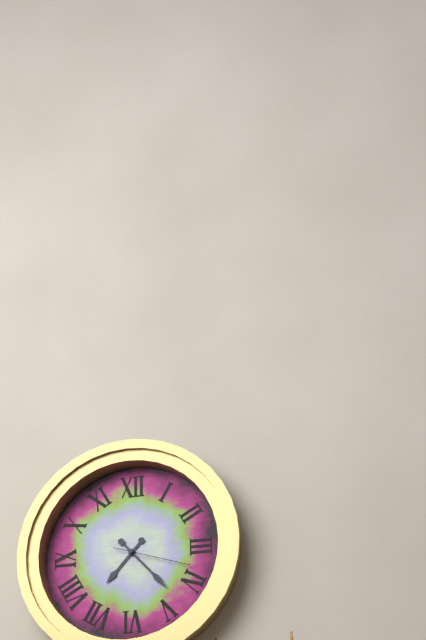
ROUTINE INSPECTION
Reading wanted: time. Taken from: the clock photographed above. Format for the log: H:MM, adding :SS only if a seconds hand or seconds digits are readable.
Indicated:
7:23:18
